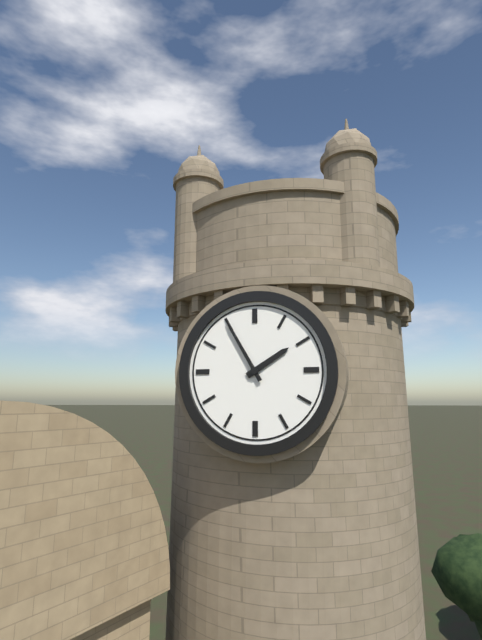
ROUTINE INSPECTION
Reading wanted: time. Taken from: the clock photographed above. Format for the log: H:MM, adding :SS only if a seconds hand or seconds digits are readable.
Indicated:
1:55
